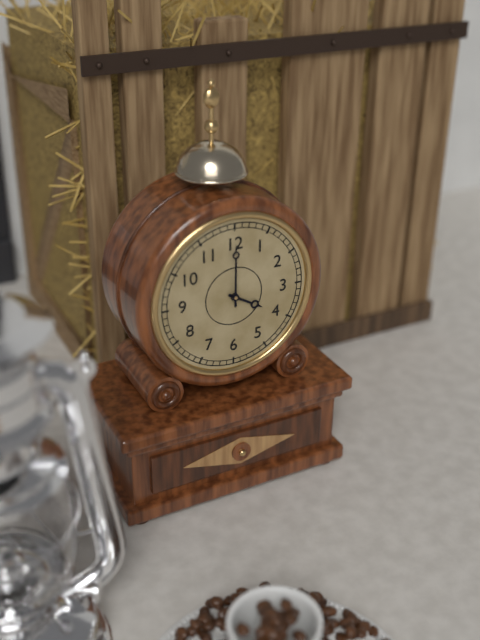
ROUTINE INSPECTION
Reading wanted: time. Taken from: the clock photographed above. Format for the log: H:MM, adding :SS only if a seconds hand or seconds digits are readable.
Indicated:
4:00
